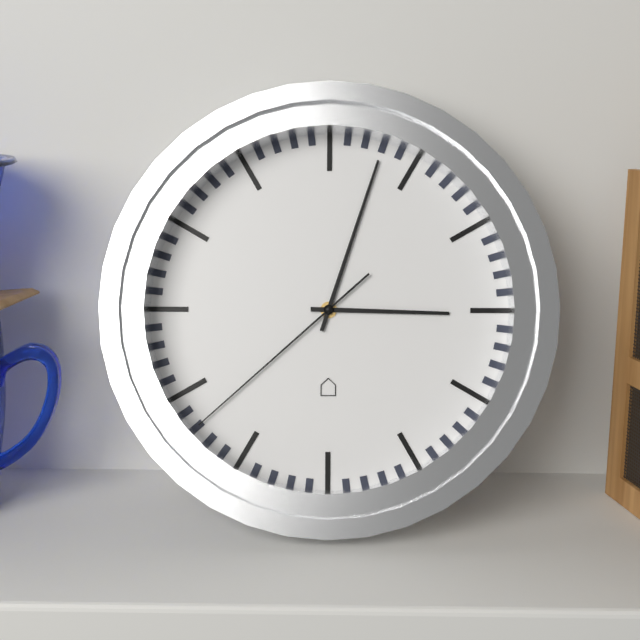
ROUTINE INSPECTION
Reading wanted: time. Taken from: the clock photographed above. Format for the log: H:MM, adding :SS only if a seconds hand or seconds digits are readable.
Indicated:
3:03:38
